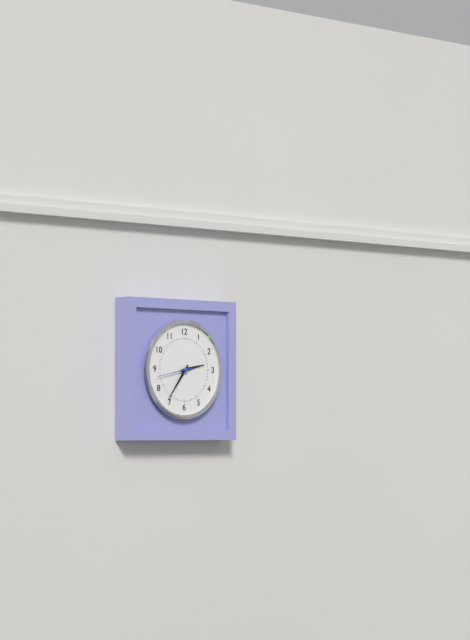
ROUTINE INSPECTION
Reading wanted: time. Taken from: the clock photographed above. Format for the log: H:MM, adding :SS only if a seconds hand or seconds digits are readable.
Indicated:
2:36
